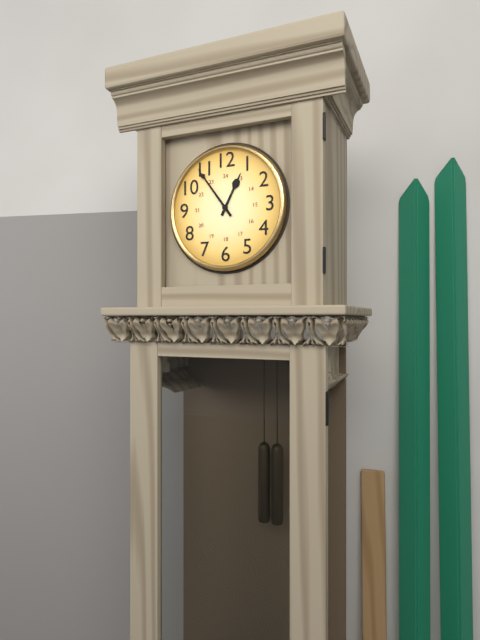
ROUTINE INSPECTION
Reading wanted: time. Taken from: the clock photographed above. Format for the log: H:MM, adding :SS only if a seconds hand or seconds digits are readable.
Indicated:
12:54
